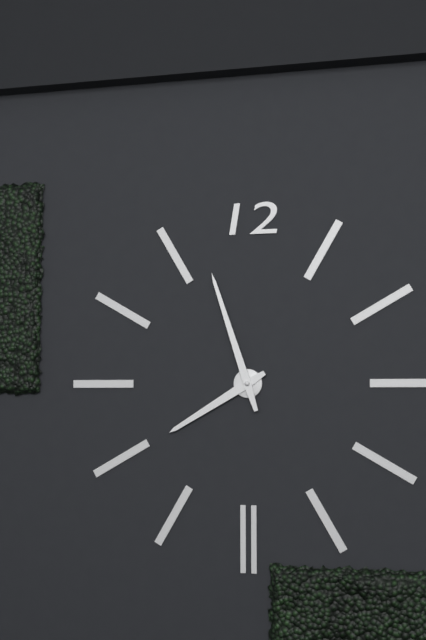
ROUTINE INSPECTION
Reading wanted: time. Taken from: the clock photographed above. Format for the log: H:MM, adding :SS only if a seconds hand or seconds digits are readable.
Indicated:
7:57
